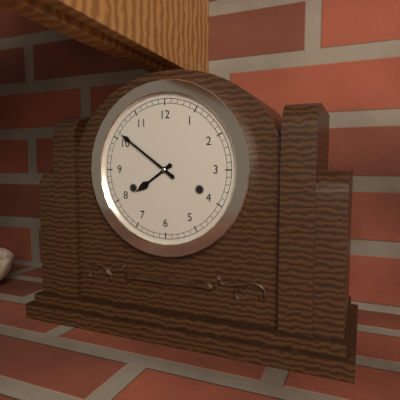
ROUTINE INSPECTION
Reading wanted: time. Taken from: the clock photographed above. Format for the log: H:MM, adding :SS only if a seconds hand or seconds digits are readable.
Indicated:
7:51
